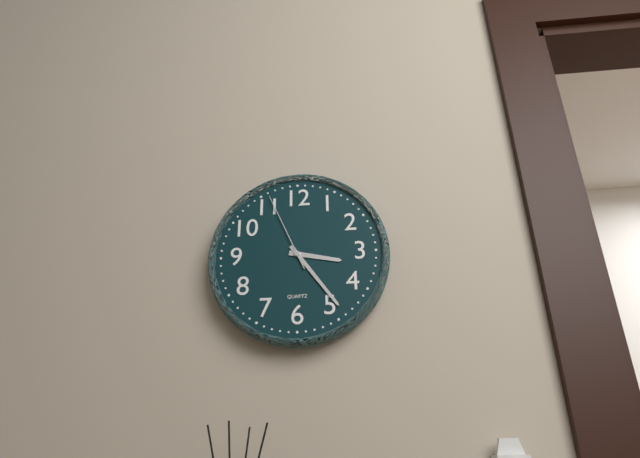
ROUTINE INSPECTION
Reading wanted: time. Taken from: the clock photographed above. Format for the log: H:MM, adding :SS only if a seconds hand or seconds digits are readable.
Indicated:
3:24:56
